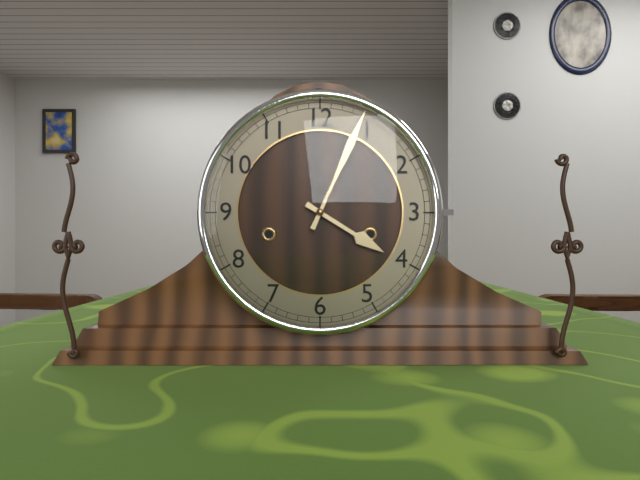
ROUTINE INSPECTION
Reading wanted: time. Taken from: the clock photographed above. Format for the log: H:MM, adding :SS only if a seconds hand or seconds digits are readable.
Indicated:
4:04
